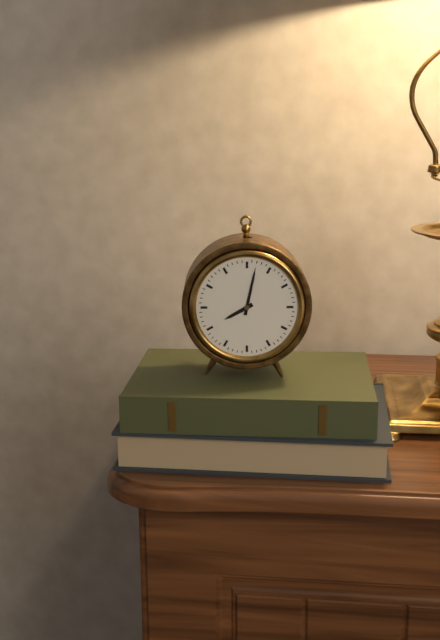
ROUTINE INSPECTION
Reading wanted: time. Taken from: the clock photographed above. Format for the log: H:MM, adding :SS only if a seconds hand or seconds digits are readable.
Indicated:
8:02
